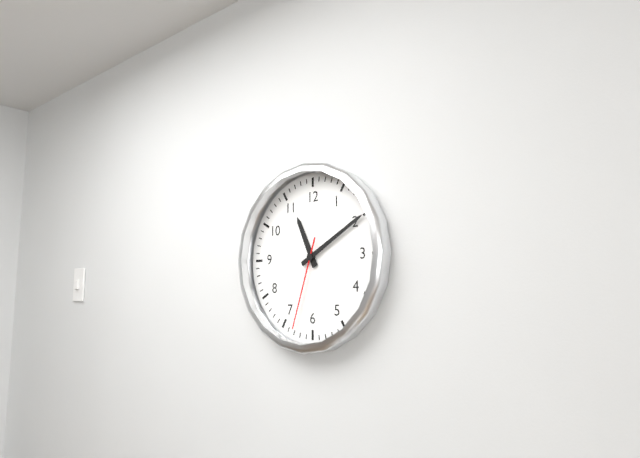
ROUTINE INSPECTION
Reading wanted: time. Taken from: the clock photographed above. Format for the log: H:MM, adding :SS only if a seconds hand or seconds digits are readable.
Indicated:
11:10:33
